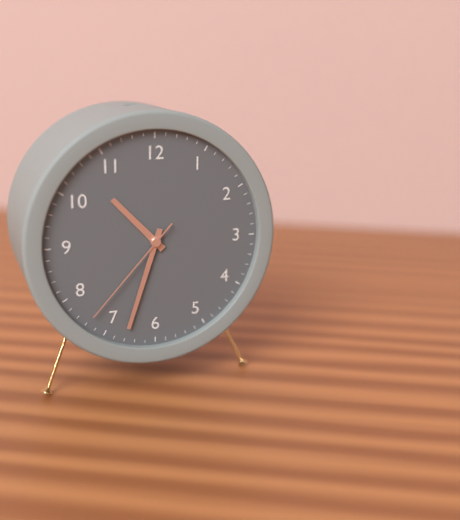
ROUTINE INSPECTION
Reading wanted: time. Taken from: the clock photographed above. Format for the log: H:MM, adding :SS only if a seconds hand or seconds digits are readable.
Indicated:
10:33:37
